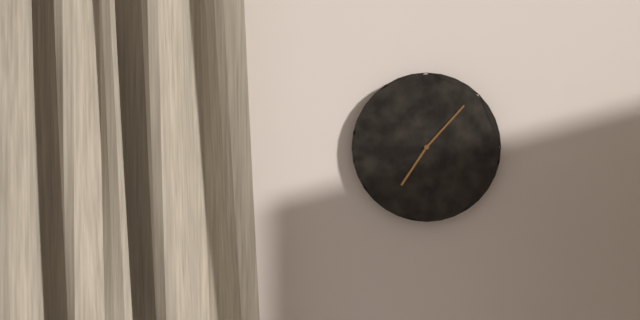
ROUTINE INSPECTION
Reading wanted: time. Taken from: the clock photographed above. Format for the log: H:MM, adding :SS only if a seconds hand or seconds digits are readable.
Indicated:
7:07
